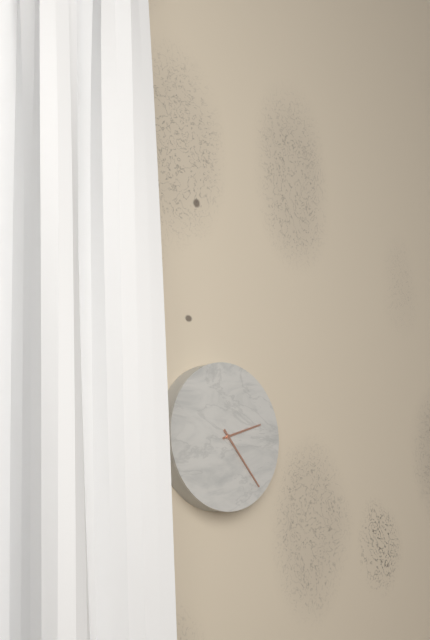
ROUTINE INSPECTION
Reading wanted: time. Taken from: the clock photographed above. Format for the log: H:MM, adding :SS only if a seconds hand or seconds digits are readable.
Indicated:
2:23
